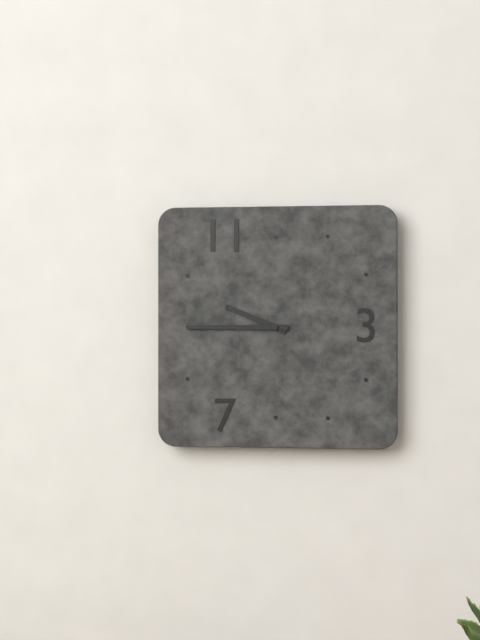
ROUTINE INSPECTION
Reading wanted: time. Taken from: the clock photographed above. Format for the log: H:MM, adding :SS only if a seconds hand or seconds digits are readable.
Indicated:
9:45
